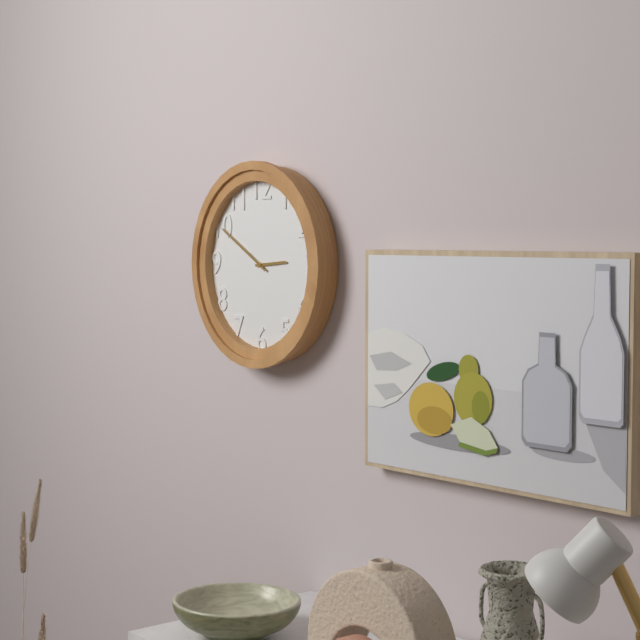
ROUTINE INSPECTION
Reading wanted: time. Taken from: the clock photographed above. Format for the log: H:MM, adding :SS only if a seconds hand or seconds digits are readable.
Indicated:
2:50
